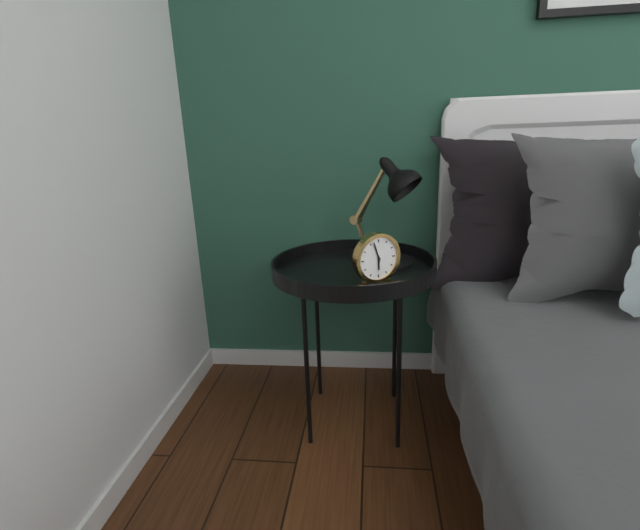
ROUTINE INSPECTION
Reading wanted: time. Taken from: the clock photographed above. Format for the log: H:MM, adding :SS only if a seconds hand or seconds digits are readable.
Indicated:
5:57
